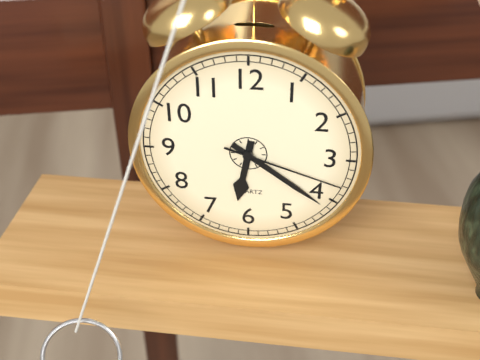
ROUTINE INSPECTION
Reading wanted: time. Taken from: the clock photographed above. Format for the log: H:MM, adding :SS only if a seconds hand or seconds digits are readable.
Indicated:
6:21:18
